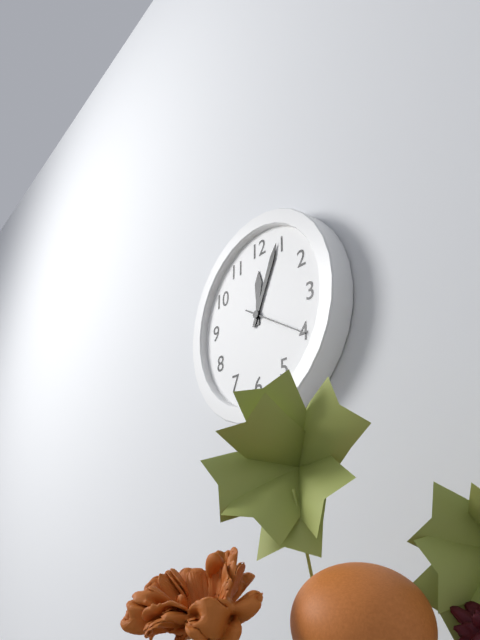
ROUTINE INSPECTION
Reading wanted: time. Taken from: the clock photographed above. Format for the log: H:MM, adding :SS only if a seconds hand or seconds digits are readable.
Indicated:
12:04:20
